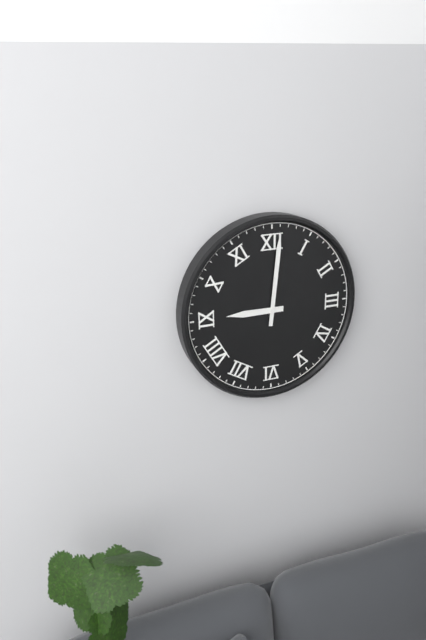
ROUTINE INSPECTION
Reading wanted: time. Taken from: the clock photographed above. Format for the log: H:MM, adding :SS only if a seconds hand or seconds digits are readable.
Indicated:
9:01
